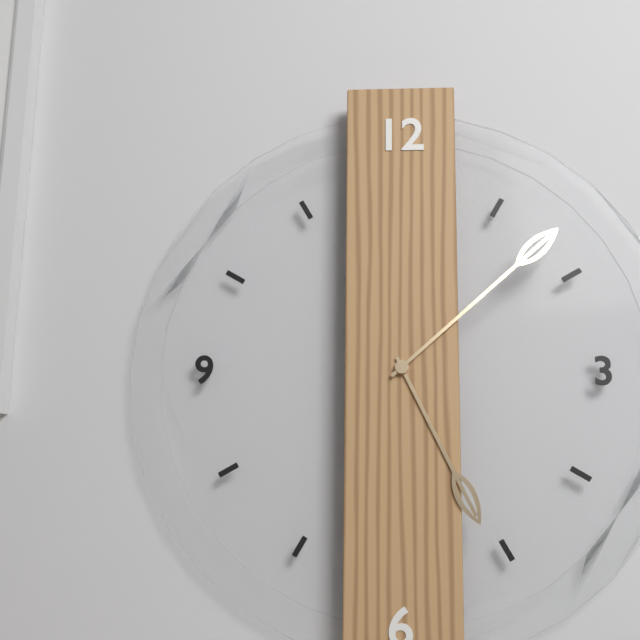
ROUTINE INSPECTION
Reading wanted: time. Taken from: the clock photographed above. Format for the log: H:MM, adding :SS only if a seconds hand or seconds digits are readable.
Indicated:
5:08
